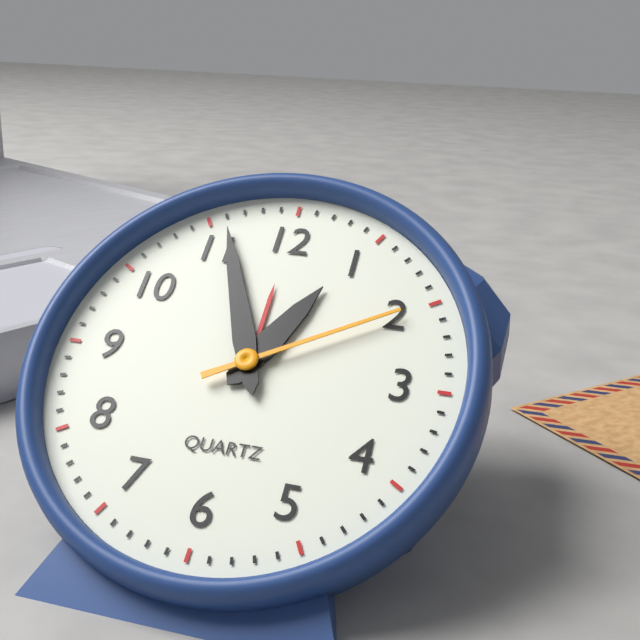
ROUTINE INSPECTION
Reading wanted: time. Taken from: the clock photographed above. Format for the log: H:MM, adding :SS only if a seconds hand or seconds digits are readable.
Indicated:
12:56:10
